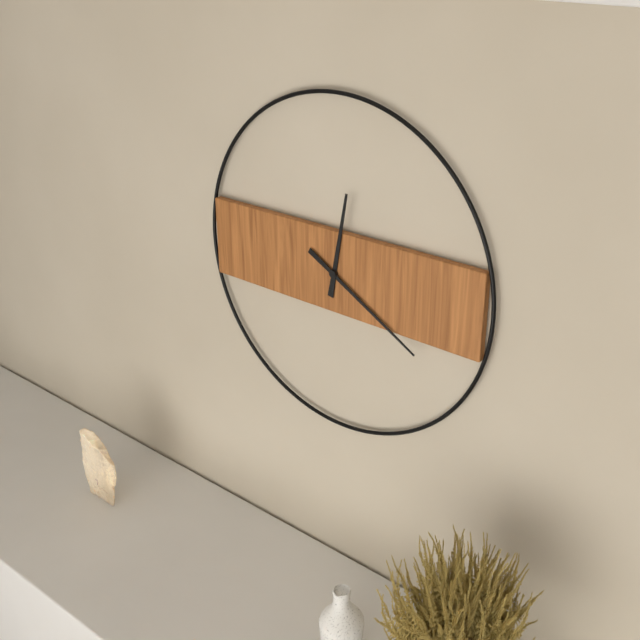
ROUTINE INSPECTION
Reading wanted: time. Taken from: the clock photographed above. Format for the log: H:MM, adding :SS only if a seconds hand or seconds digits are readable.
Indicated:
12:20
